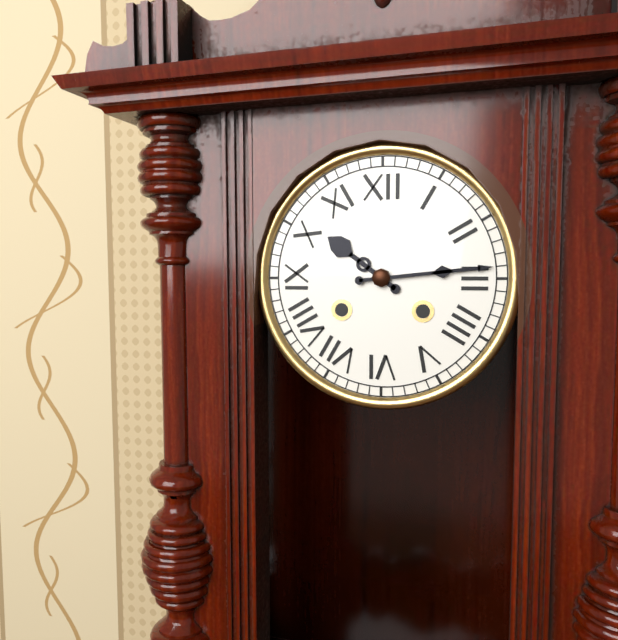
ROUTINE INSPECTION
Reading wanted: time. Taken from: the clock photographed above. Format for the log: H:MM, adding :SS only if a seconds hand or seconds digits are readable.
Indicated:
10:14
